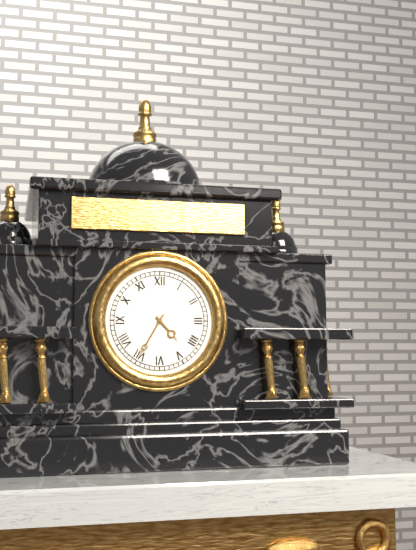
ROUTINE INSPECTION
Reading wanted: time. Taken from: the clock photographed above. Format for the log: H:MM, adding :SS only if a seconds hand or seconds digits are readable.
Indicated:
4:35
